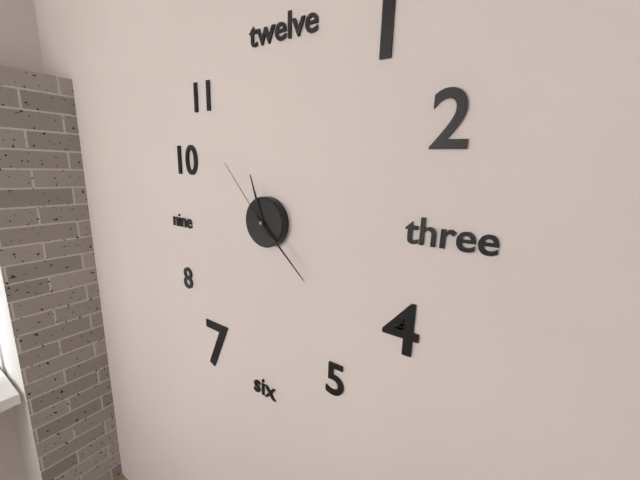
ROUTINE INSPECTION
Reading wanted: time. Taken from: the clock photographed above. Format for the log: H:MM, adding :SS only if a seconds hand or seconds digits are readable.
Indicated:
11:22:53
